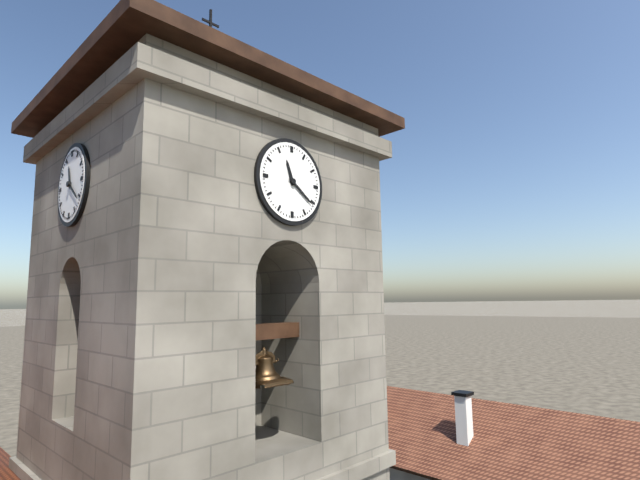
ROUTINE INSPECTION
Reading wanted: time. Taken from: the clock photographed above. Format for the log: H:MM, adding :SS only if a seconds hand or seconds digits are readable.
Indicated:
11:21
